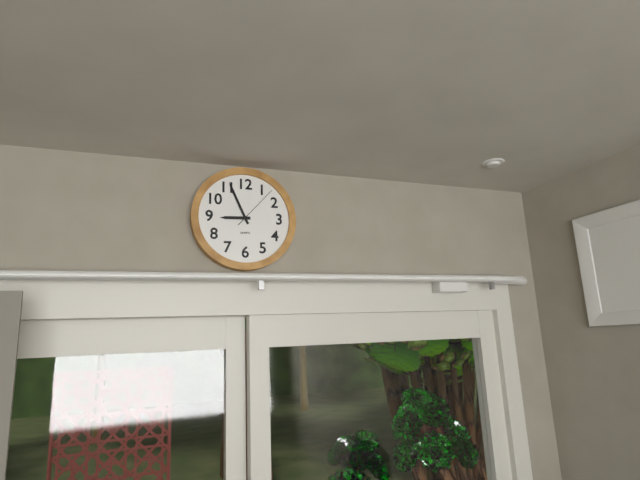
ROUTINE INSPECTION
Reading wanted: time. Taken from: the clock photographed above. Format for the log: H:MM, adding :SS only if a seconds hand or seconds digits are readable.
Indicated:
8:56
